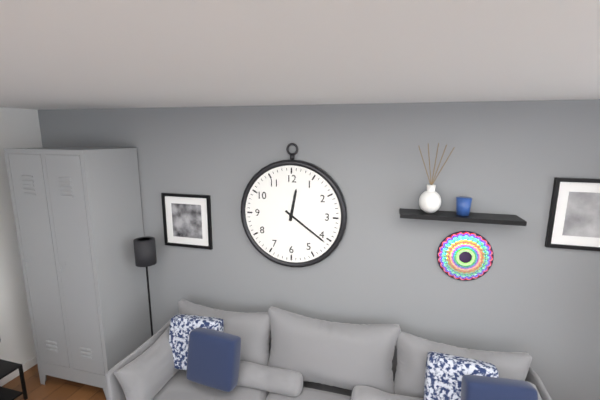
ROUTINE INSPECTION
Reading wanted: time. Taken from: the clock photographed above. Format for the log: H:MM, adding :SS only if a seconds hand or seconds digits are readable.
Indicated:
12:21
